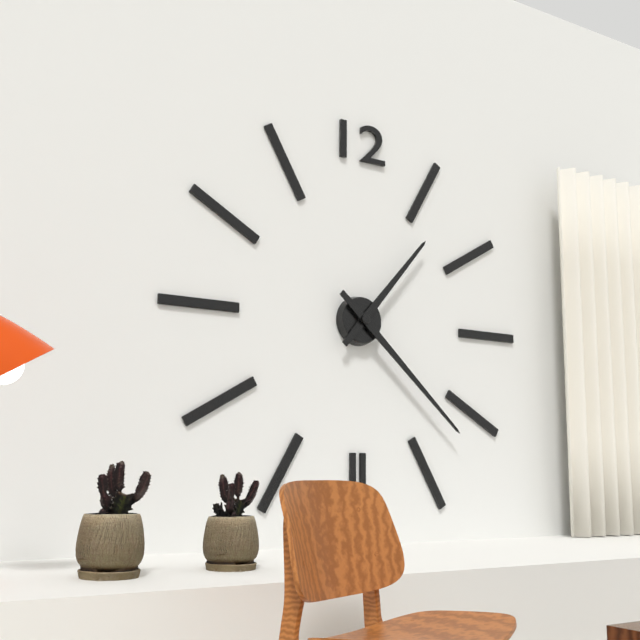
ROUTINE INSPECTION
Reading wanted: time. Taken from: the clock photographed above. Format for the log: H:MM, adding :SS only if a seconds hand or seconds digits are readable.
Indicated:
1:22
